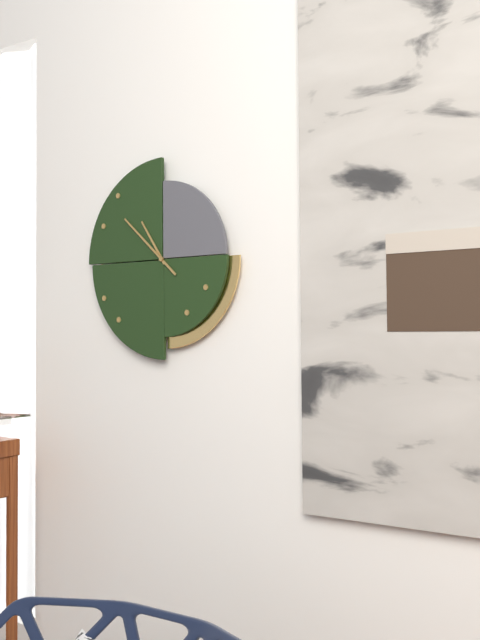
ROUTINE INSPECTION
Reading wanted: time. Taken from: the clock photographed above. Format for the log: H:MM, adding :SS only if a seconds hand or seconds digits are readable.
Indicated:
10:52
